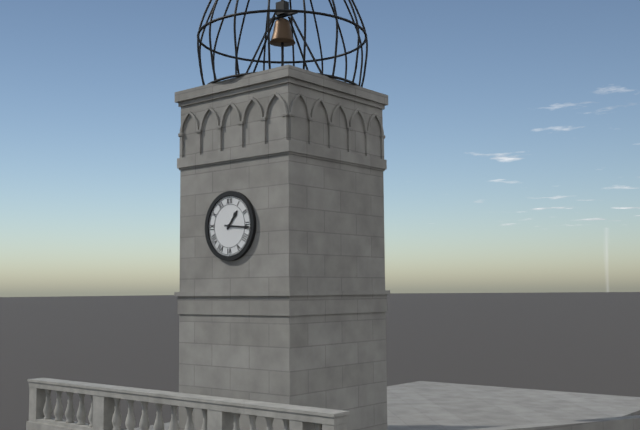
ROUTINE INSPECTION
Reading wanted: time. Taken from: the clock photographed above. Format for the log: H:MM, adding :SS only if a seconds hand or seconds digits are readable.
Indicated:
1:16
